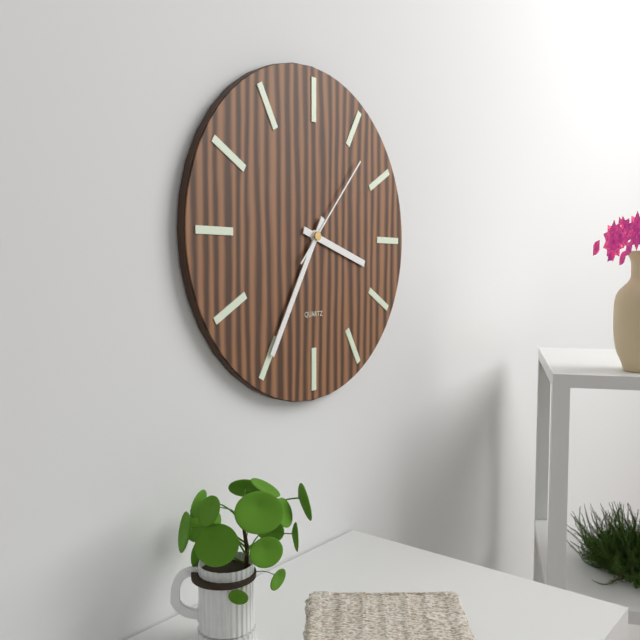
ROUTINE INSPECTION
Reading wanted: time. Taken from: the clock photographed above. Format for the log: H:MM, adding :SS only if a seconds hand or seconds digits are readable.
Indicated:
3:35:07
